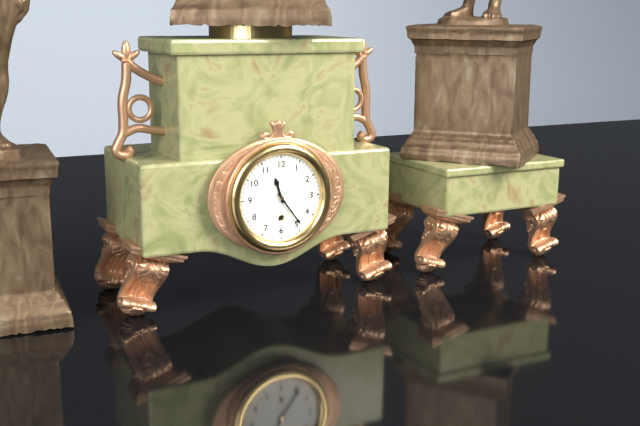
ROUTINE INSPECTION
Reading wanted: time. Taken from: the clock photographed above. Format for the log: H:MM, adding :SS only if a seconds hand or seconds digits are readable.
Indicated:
11:24
